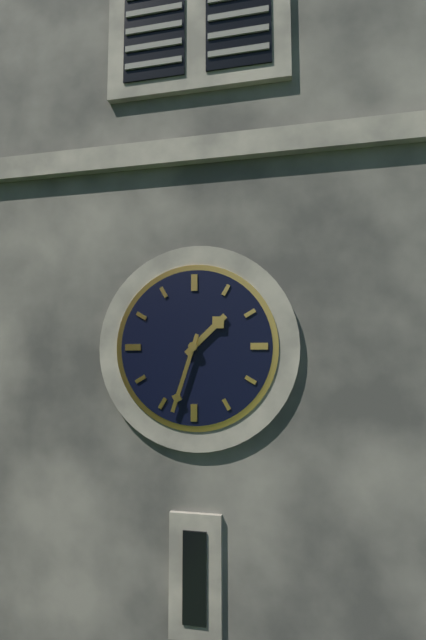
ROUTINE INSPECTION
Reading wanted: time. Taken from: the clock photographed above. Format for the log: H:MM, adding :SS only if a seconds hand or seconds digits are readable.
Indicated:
1:33
